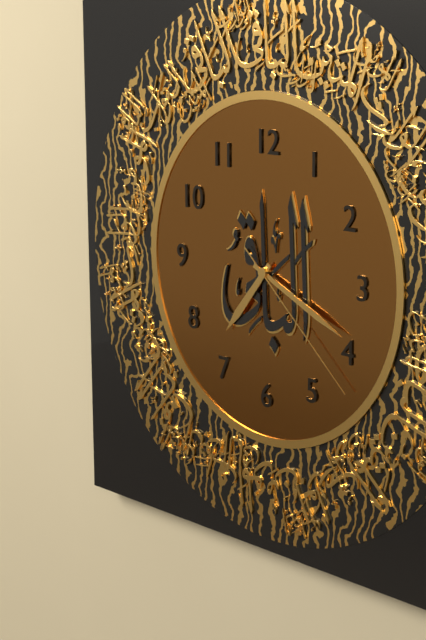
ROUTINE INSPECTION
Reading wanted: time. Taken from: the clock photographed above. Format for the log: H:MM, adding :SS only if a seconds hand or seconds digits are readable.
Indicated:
7:19:22
